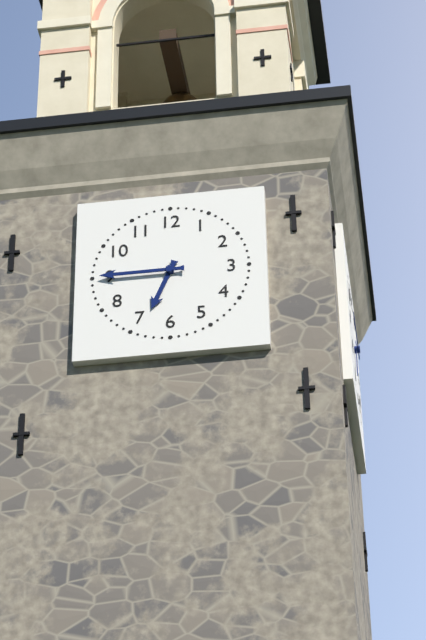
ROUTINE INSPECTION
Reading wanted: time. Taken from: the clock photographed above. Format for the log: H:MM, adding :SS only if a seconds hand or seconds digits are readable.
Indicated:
6:45
